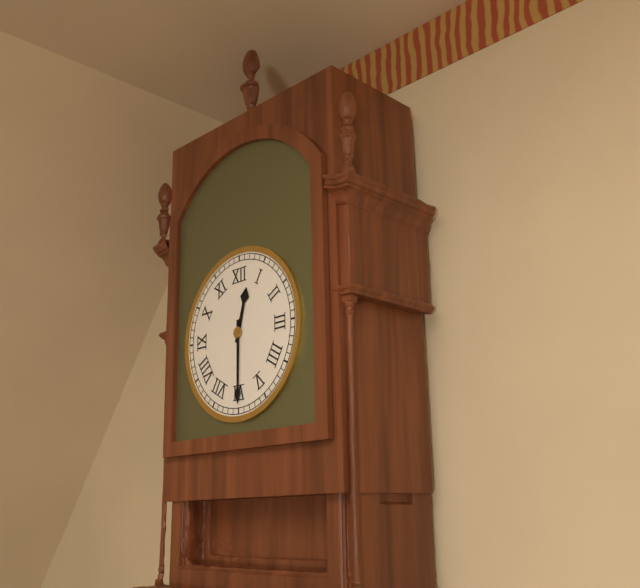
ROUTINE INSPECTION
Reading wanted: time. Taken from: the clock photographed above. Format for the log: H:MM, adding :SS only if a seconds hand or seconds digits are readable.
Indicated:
12:30
